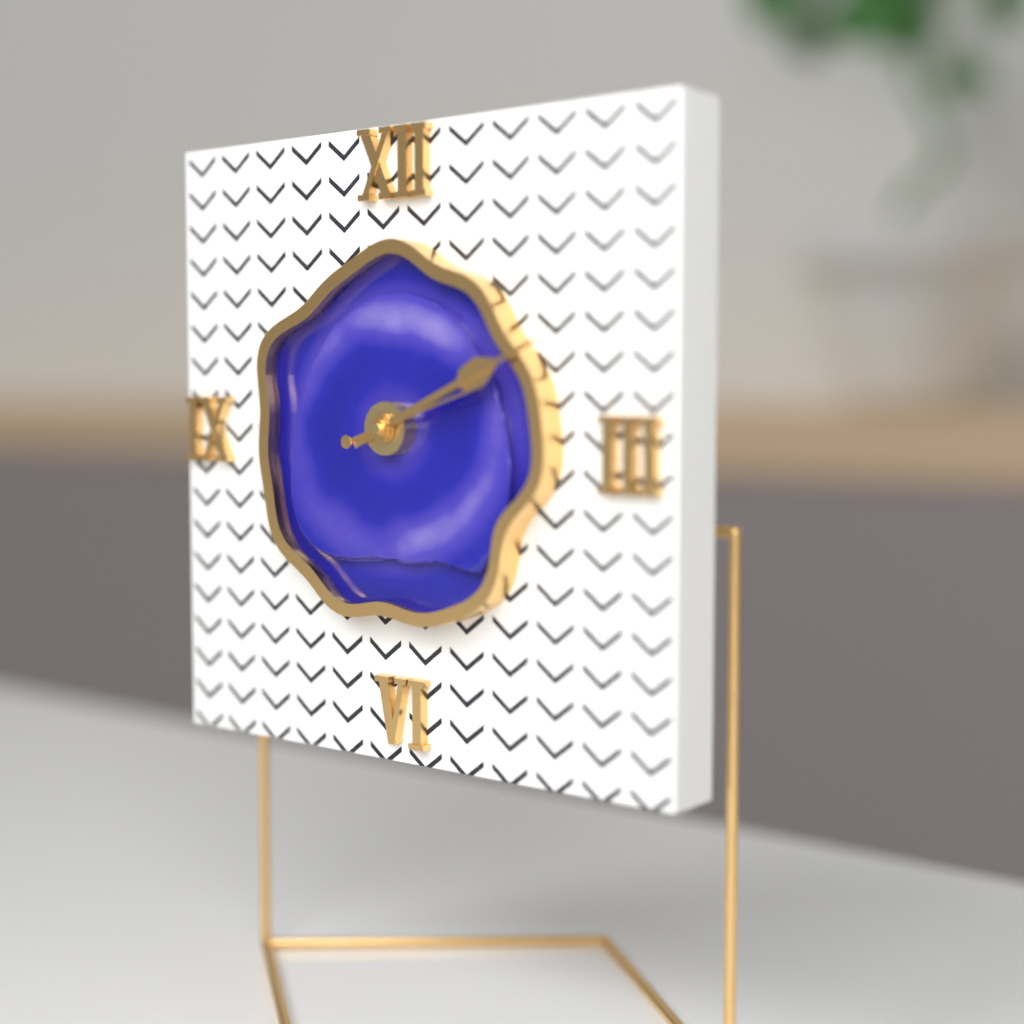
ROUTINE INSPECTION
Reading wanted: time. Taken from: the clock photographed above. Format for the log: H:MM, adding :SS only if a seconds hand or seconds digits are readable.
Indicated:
2:11:12
